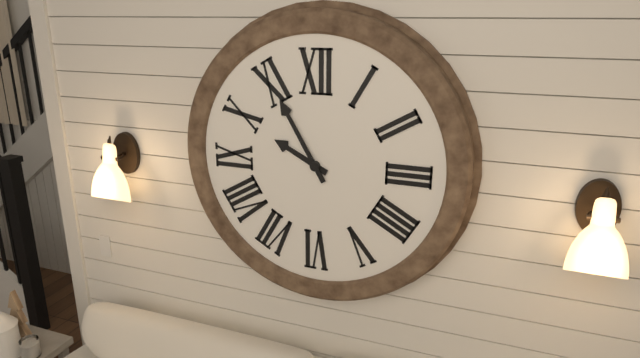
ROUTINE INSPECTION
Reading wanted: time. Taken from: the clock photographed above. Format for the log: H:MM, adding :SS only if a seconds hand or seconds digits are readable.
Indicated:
9:55
